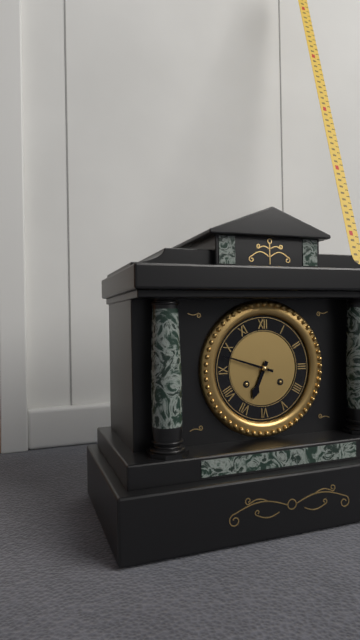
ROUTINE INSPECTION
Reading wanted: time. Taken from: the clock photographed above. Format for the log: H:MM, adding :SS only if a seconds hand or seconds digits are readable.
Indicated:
6:48
